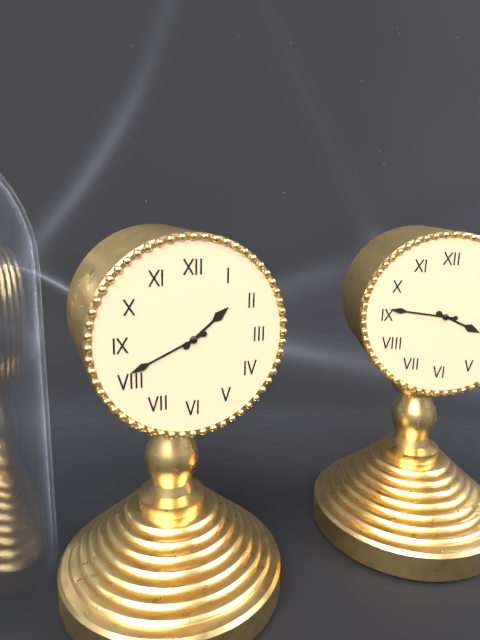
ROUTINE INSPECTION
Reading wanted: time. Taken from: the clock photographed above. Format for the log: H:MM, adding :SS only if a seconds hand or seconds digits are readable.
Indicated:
1:41
